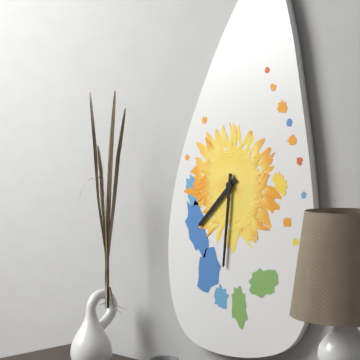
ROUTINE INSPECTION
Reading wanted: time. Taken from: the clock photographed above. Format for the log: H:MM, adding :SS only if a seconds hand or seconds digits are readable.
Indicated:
7:31
